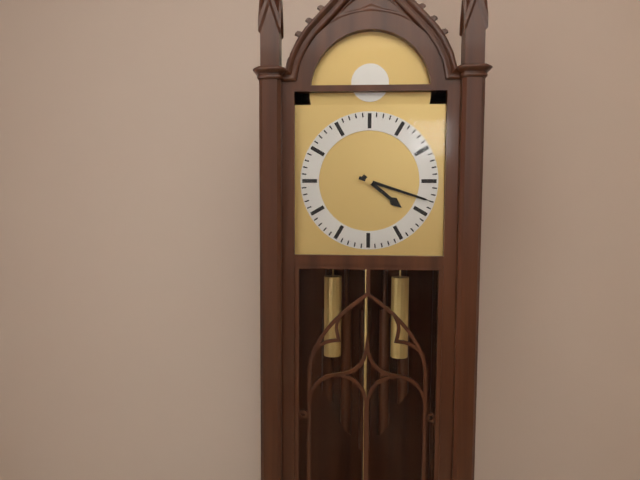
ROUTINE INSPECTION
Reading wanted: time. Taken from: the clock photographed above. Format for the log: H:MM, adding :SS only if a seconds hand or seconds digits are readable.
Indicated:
4:18
